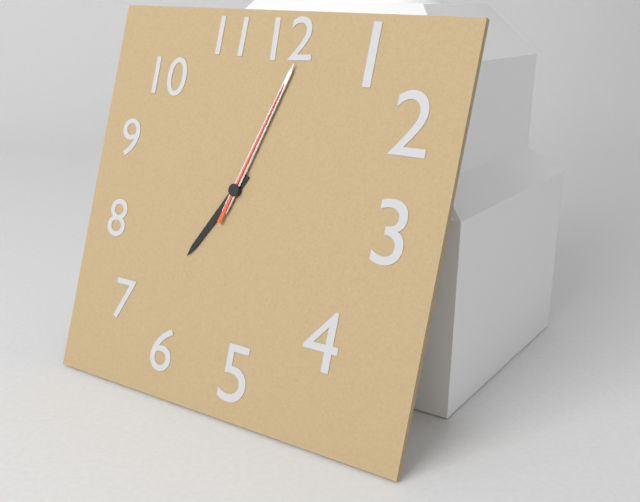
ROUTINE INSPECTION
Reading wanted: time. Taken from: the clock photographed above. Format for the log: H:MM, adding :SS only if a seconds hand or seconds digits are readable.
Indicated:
7:03:03
